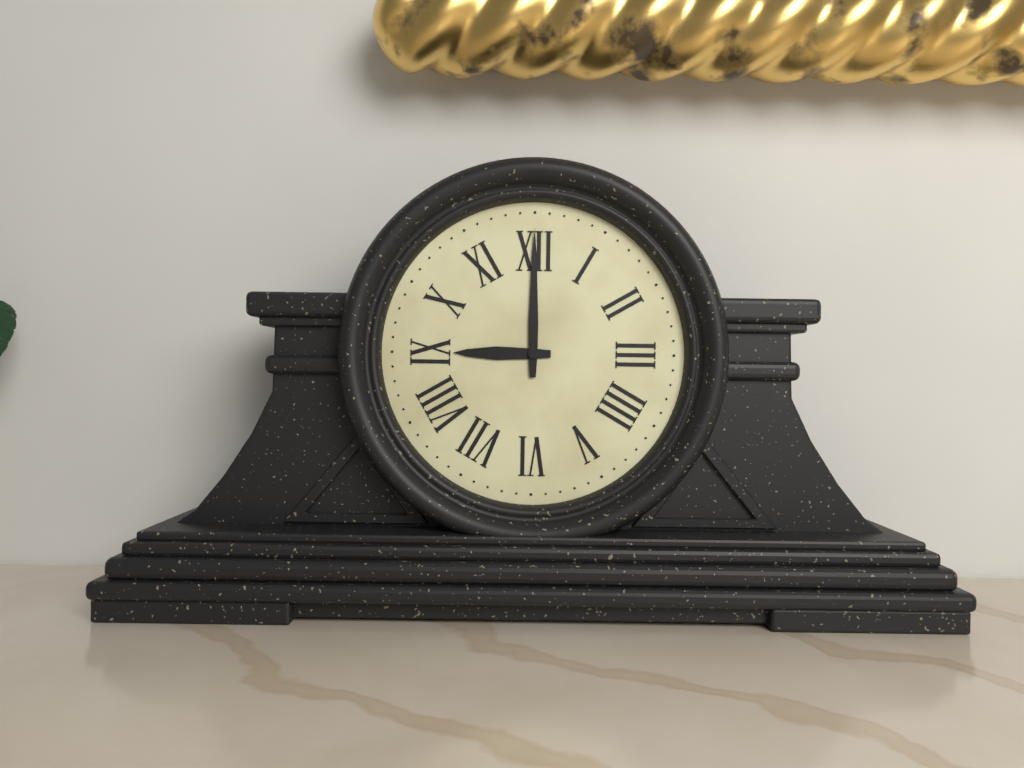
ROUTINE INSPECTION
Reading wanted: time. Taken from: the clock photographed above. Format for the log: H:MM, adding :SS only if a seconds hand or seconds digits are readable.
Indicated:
9:00
